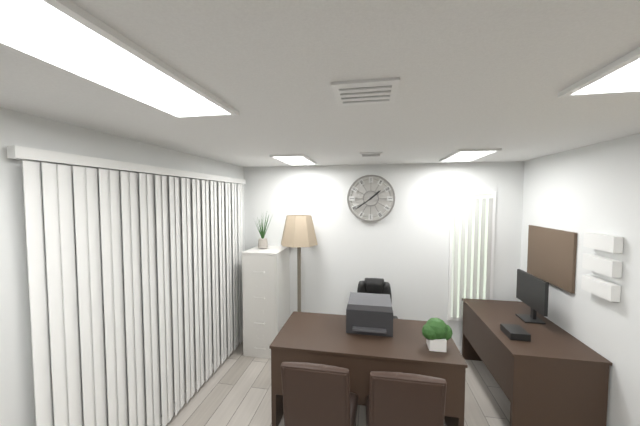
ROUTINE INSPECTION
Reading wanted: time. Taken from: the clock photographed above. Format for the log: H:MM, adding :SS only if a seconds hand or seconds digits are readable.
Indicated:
1:39
